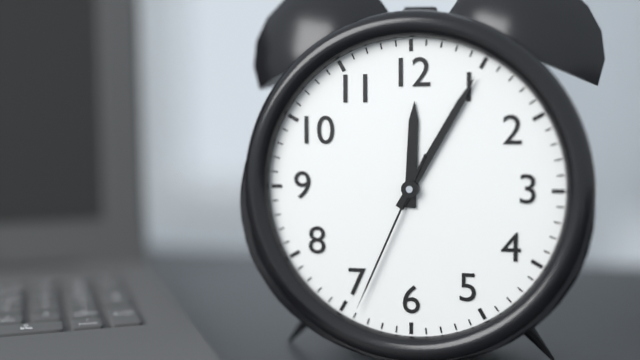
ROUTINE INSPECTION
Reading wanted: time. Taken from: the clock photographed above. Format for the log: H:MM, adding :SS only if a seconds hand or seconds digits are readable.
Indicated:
12:05:34
